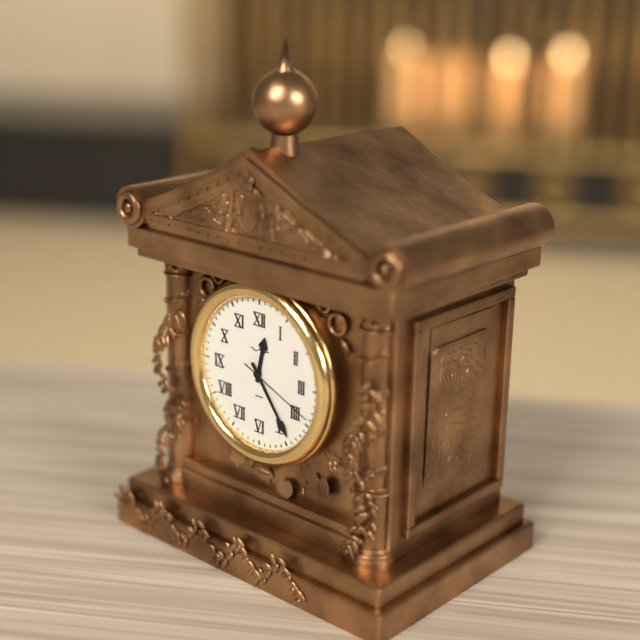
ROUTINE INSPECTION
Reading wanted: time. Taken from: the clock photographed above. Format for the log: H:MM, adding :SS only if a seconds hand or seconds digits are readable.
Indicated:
12:24:19
